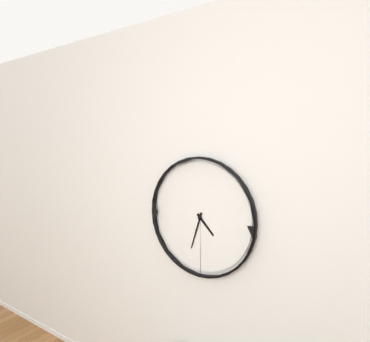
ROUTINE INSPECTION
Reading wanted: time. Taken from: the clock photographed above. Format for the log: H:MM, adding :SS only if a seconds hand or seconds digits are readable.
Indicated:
4:33
